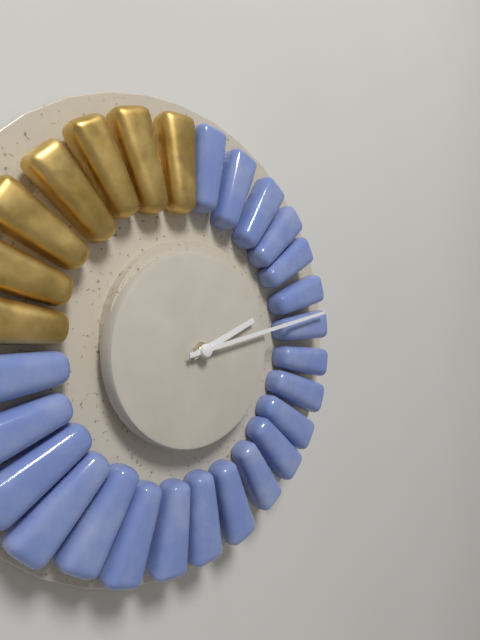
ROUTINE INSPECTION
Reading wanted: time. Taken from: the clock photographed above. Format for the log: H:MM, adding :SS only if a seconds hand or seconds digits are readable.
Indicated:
2:13
